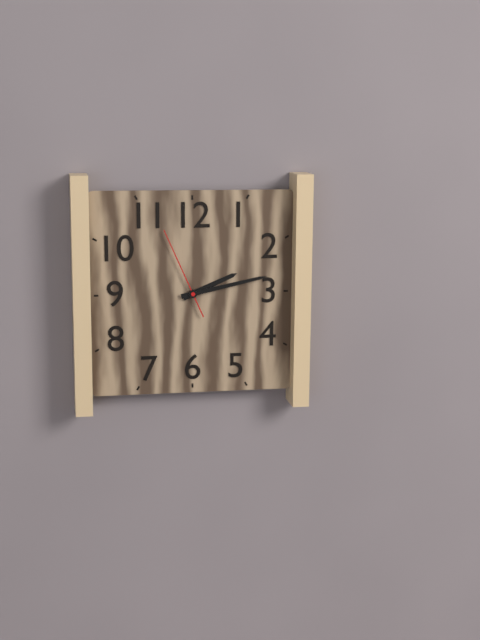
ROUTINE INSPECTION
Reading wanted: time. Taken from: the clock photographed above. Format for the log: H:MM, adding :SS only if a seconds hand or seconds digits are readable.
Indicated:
2:13:56
